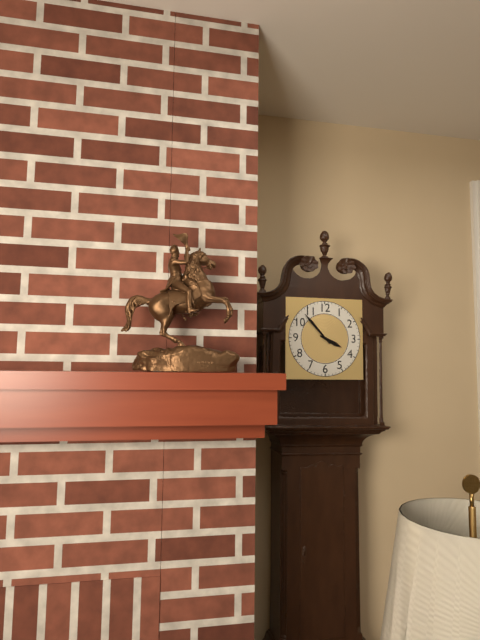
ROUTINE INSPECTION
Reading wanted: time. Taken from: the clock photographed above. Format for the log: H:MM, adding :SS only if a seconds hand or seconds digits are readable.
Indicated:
3:53
